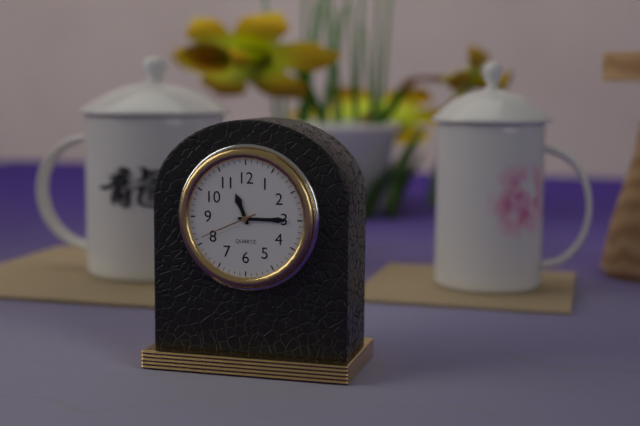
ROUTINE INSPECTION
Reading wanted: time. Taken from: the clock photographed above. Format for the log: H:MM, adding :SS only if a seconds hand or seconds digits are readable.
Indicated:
11:15:41
